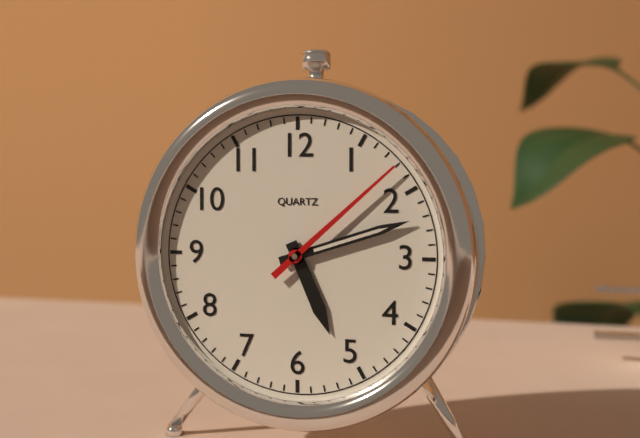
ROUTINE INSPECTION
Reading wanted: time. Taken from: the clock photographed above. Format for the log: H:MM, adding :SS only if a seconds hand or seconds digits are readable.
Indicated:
5:12:08
